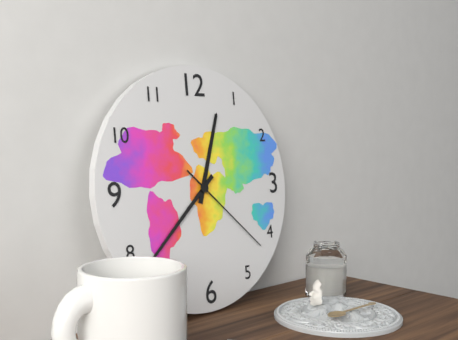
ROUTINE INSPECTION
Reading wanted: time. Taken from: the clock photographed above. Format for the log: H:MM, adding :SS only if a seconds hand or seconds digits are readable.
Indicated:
12:38:22
